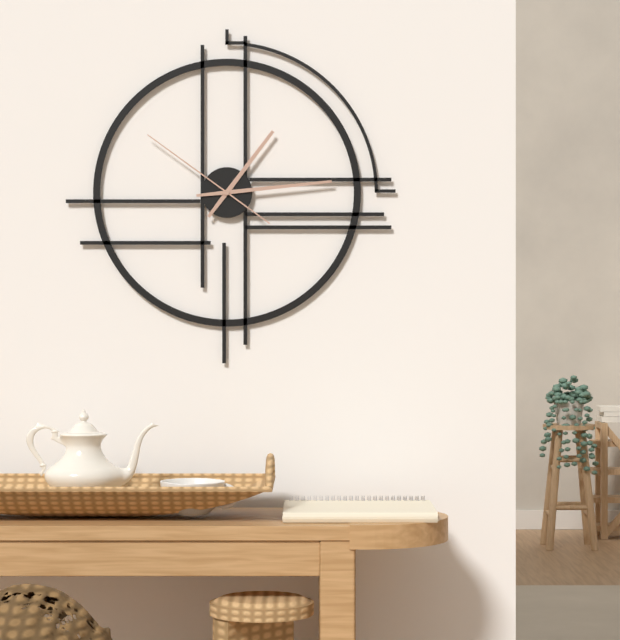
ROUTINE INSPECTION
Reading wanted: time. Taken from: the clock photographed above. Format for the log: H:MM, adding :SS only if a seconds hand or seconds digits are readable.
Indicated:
1:14:51
